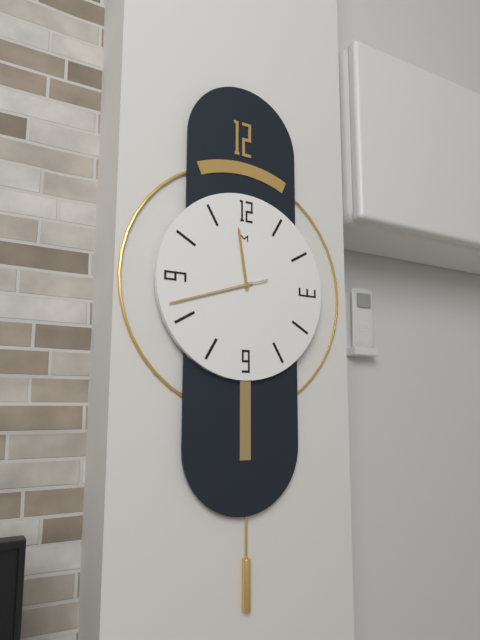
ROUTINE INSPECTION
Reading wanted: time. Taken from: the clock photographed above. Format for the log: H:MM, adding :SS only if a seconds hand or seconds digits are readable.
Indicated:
11:42:42
